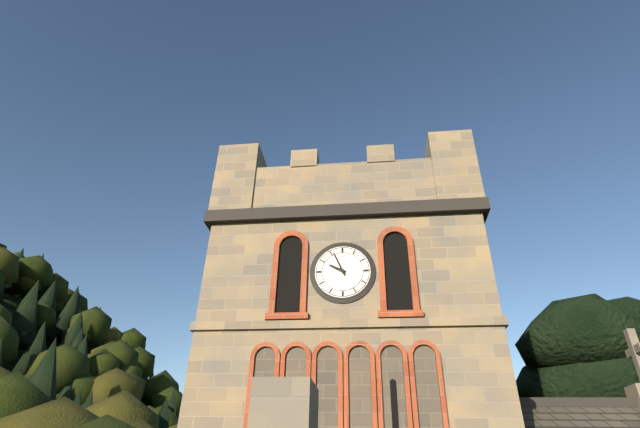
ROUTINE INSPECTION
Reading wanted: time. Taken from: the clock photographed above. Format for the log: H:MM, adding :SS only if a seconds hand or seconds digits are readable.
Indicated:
9:56
